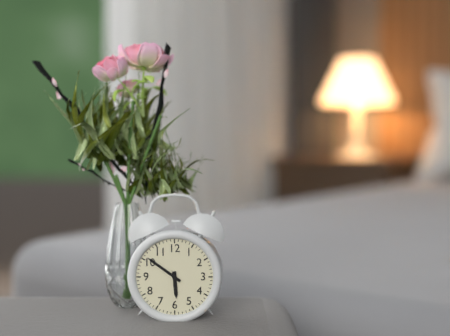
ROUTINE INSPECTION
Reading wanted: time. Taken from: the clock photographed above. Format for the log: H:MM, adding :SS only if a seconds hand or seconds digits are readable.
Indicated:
5:51
